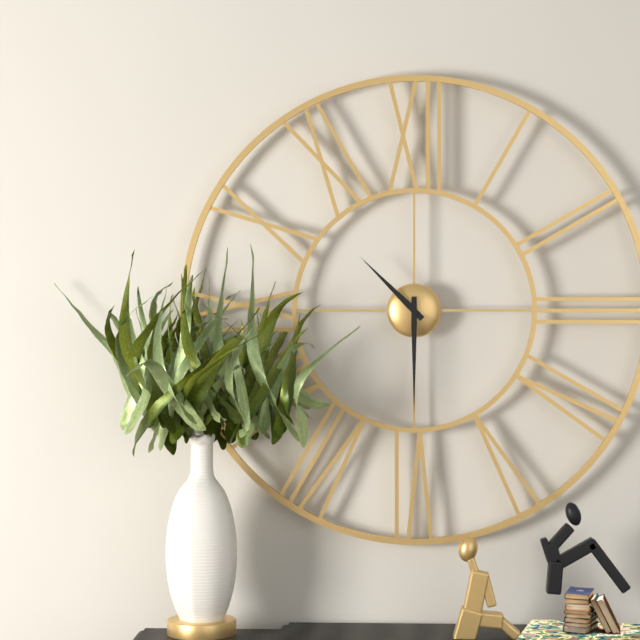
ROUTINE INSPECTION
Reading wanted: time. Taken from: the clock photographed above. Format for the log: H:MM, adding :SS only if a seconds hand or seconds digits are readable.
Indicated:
10:30
